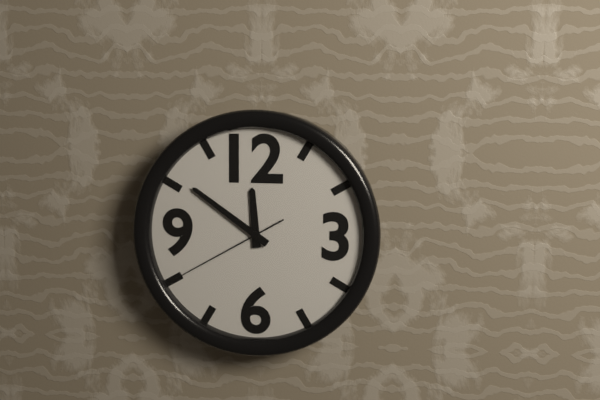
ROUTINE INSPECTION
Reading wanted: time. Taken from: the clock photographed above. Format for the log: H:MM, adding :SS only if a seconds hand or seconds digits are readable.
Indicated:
11:51:40
